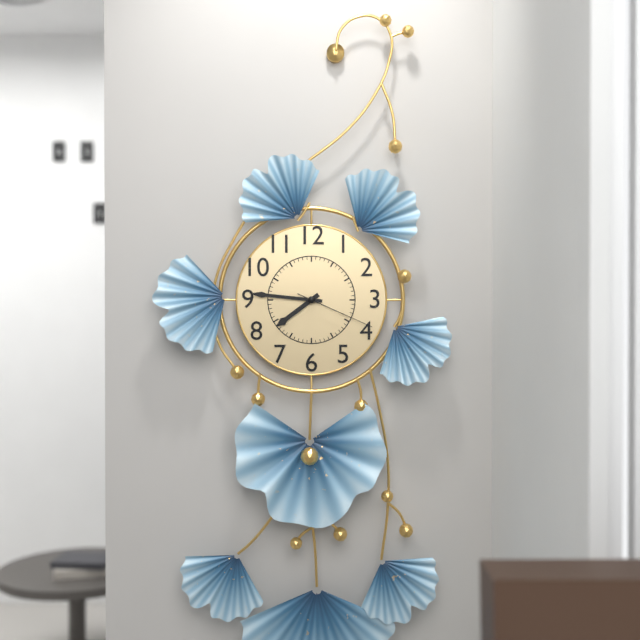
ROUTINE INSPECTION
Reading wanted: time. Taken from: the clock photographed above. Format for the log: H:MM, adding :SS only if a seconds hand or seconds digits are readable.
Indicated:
7:46:19
